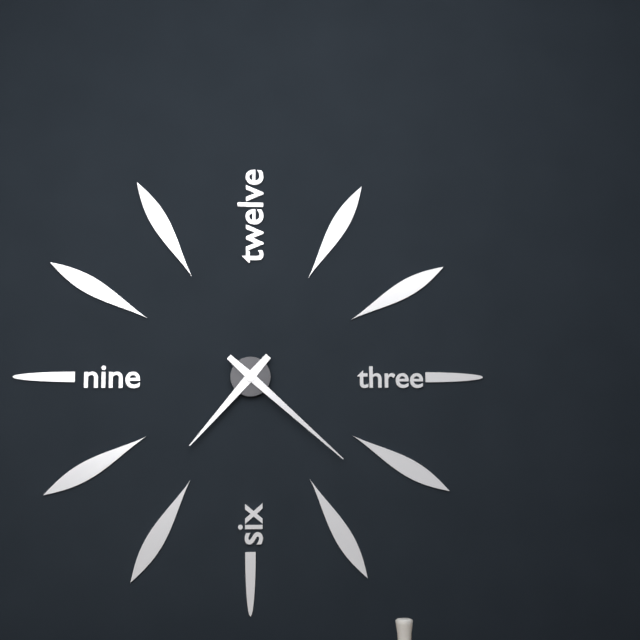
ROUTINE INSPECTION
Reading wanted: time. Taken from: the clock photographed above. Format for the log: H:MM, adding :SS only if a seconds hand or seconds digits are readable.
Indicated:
7:22
